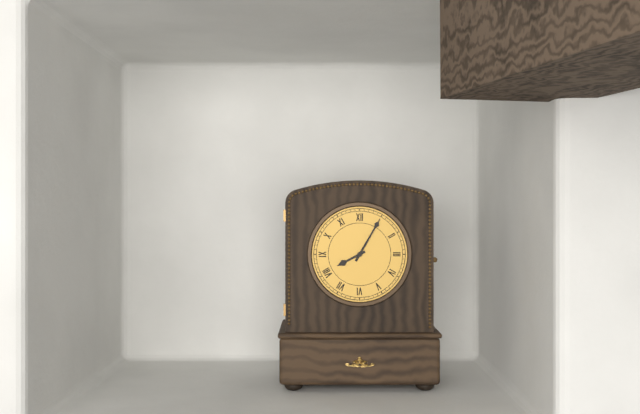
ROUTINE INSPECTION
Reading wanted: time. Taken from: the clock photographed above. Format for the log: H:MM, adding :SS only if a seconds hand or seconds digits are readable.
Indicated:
8:05
